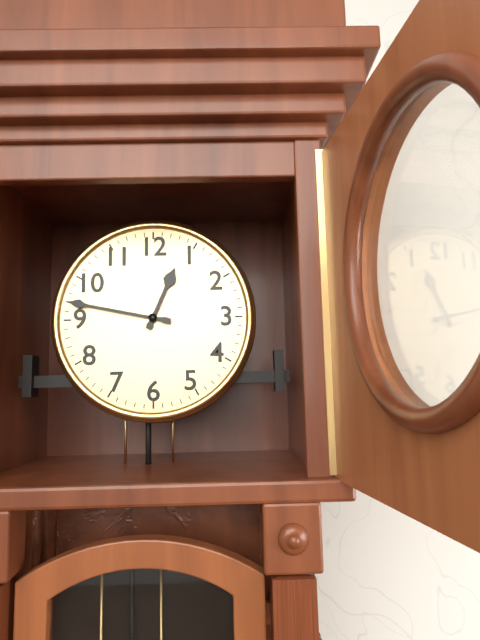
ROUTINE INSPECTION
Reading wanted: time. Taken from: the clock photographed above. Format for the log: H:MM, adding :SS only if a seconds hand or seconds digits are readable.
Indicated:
12:47
